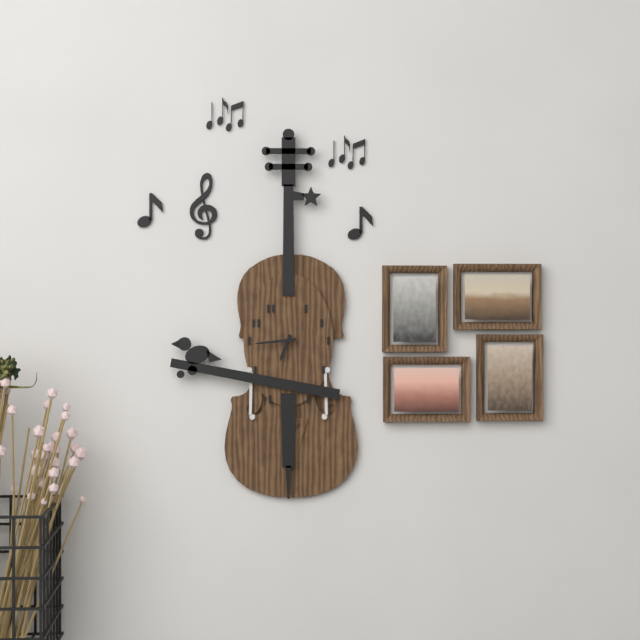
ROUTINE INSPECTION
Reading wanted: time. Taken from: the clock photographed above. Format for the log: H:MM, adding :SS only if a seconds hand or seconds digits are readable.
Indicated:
6:44
